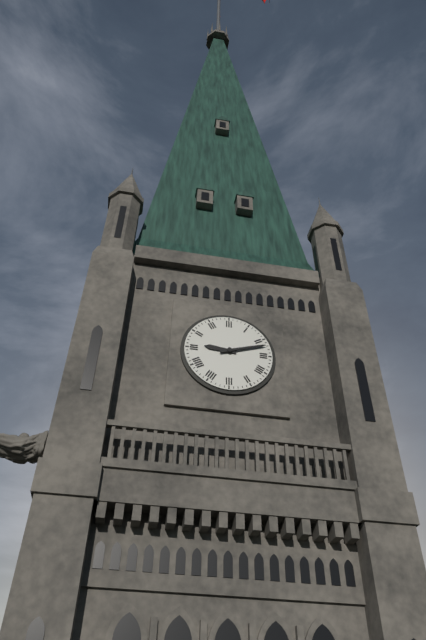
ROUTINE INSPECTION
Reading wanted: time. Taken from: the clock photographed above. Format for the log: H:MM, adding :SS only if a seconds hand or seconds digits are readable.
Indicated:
9:12
